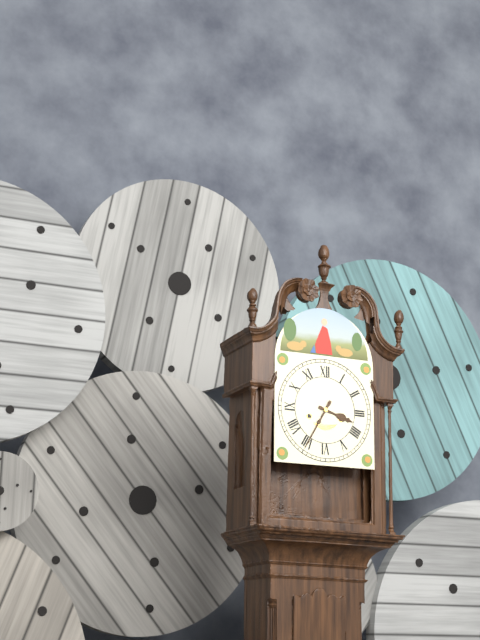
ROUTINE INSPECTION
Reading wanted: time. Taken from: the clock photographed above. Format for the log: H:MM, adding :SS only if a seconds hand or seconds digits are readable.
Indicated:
3:35
